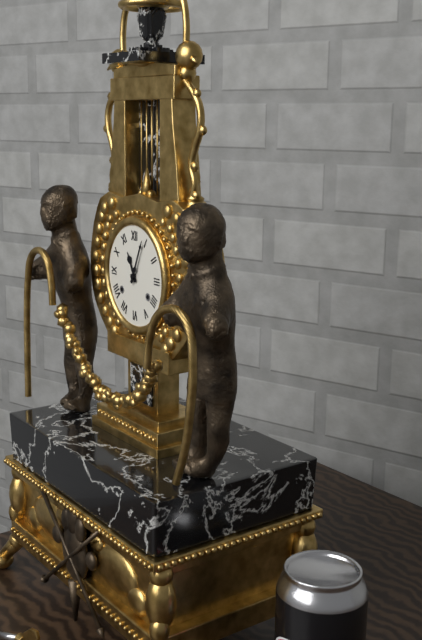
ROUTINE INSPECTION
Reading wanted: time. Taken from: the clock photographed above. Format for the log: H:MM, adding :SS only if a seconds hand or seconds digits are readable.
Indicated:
11:04
